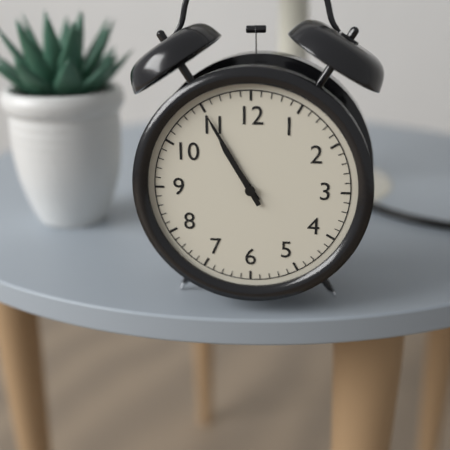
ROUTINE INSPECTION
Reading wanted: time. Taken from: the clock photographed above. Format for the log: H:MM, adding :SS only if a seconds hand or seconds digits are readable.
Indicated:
10:55
